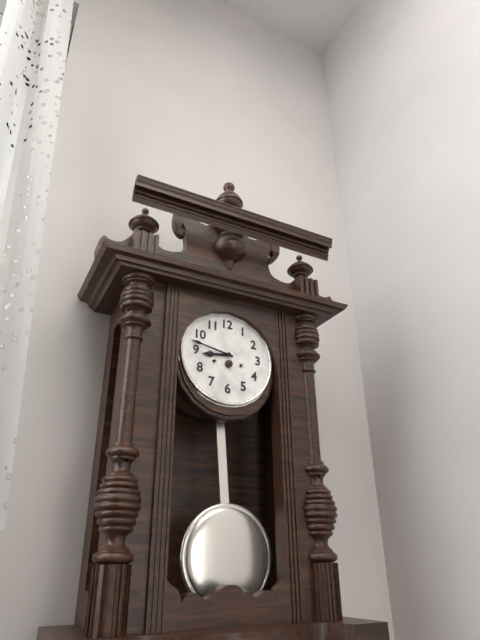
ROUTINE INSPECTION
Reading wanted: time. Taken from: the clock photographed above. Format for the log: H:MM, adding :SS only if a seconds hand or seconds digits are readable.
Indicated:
8:47
